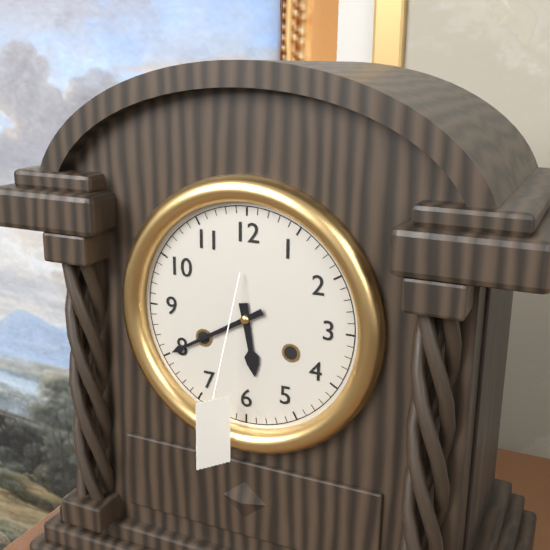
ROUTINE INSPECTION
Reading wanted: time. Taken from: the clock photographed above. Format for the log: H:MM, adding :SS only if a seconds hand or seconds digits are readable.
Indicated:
5:40
